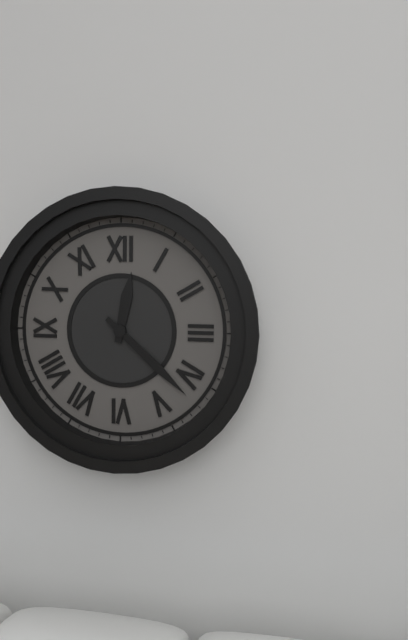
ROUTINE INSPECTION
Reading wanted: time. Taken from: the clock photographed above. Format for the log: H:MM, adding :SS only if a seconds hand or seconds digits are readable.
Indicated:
12:22
